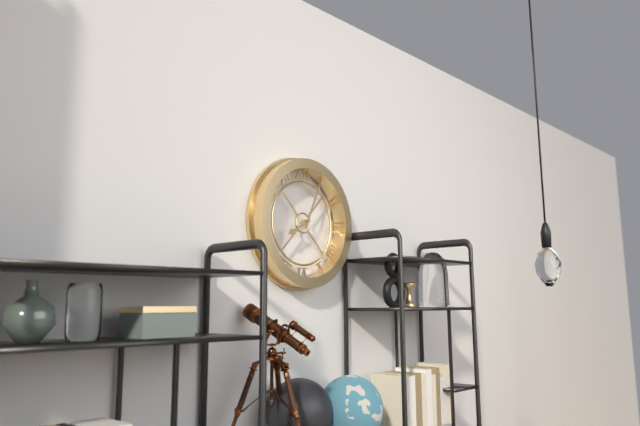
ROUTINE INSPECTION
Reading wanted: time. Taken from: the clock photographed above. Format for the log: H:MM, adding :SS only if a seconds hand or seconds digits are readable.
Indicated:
8:04
